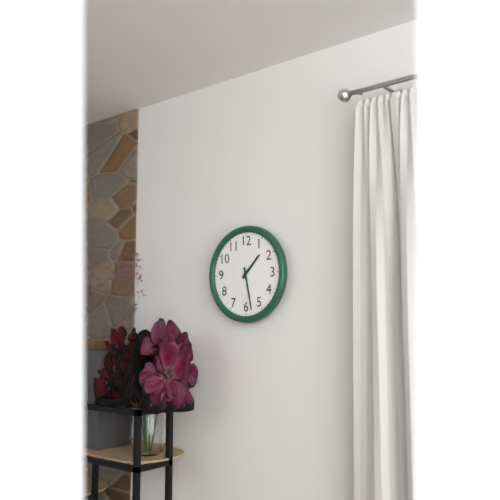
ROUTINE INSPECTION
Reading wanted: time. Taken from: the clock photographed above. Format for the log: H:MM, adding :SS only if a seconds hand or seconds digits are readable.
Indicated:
1:28
